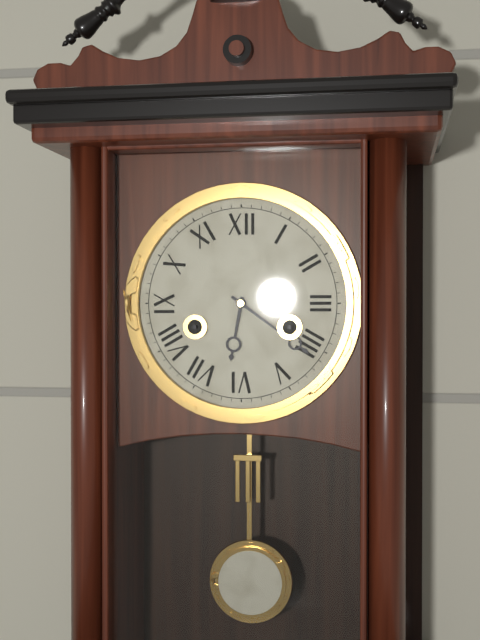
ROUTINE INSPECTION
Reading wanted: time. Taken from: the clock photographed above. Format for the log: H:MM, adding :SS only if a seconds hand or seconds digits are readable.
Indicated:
6:21
